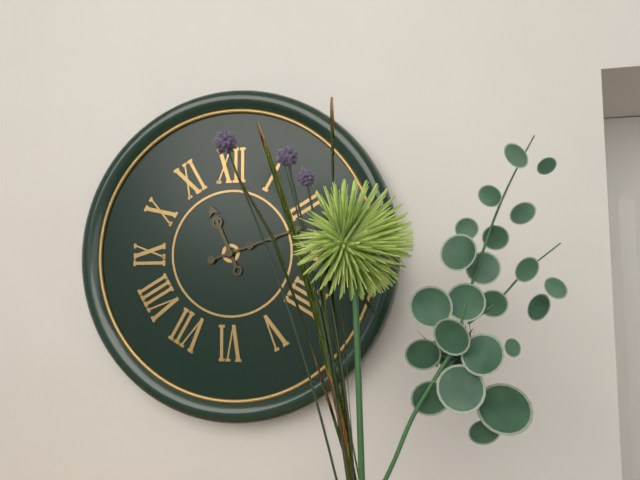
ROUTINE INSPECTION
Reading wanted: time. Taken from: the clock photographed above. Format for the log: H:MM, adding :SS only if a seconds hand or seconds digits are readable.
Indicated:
11:12
